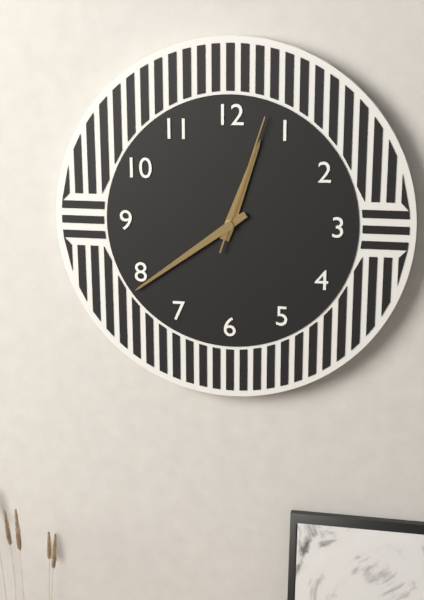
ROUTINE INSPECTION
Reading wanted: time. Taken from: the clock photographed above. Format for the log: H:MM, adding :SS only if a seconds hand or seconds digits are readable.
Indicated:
12:39:03
